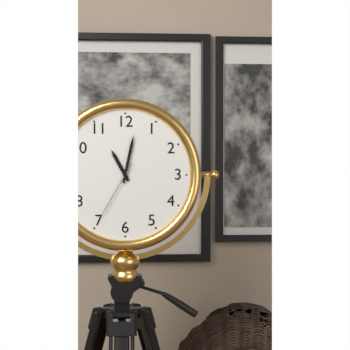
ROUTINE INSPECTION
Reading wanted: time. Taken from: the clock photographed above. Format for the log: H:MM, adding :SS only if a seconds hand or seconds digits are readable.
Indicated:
11:02:35
